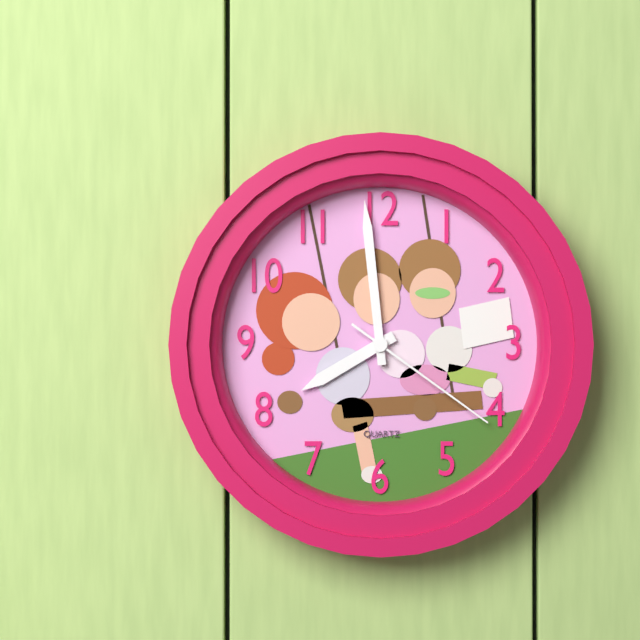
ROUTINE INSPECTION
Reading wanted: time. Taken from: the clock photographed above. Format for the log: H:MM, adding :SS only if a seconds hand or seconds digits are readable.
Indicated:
7:59:21
